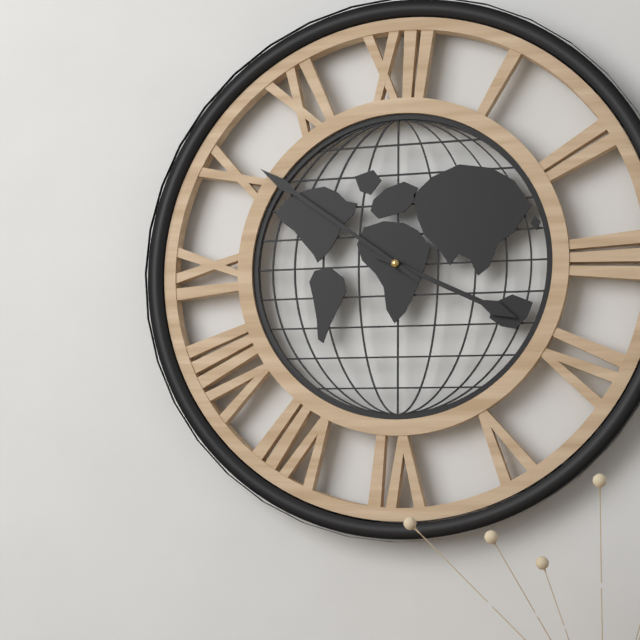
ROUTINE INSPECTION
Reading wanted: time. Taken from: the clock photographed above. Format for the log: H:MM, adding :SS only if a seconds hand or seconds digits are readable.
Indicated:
3:51
